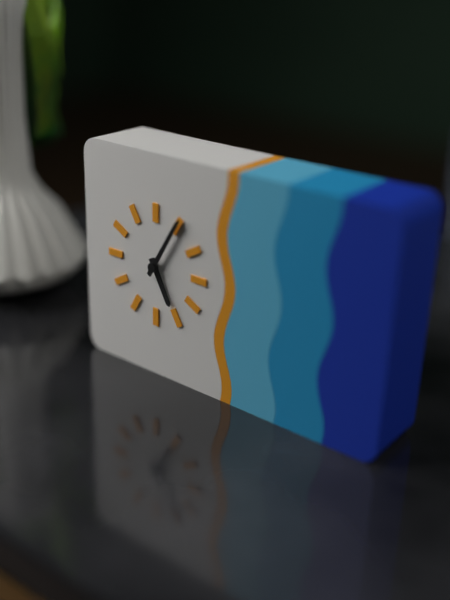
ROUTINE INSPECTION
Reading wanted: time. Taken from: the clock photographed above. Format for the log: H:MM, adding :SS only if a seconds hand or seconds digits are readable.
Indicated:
5:05
